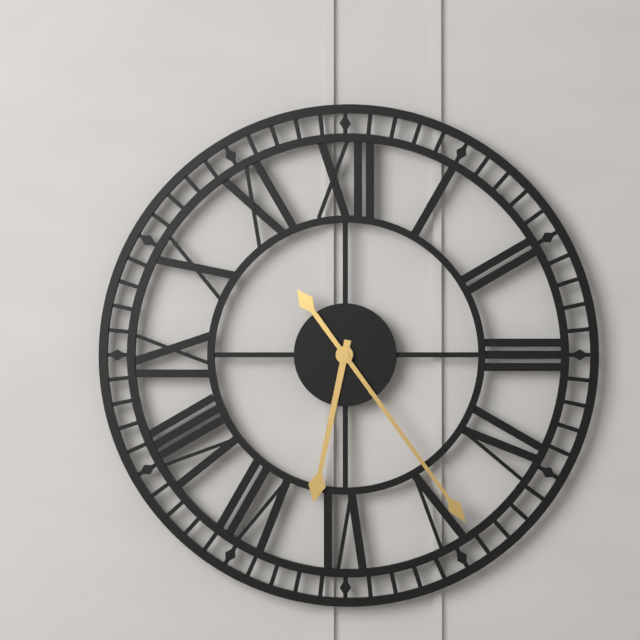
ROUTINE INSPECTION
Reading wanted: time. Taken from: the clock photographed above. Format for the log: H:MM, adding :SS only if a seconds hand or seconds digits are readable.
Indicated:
6:24
